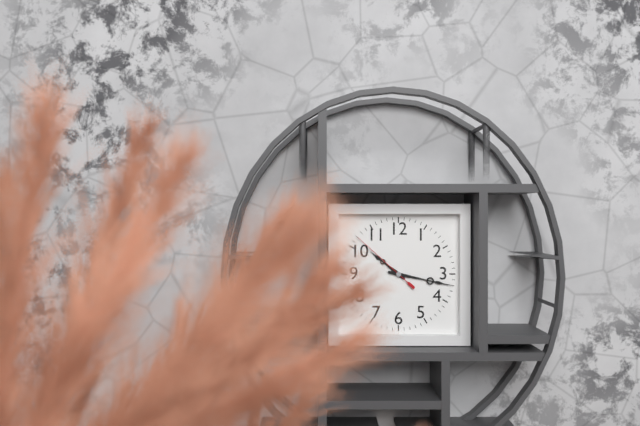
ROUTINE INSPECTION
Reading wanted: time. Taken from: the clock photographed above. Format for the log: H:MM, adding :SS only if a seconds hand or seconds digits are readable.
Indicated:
10:17:52
